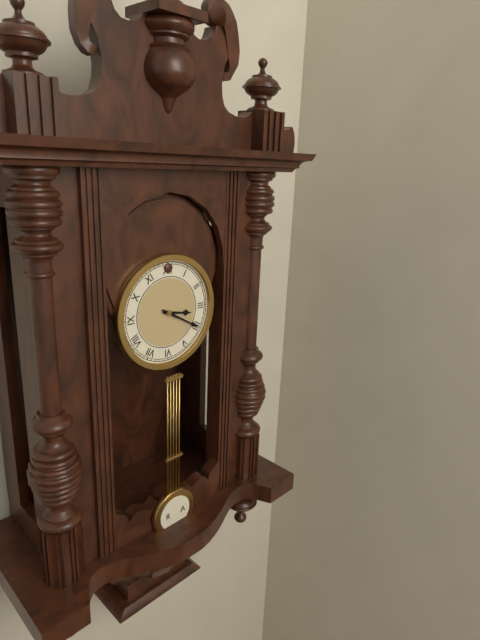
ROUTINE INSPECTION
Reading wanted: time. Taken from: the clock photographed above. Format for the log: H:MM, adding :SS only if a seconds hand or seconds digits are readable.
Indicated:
3:20
